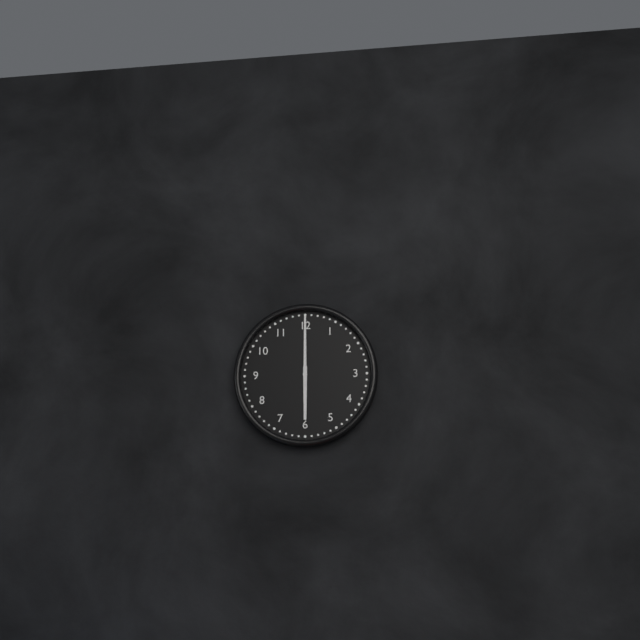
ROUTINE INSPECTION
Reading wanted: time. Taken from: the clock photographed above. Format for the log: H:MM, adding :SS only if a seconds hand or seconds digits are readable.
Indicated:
6:00
